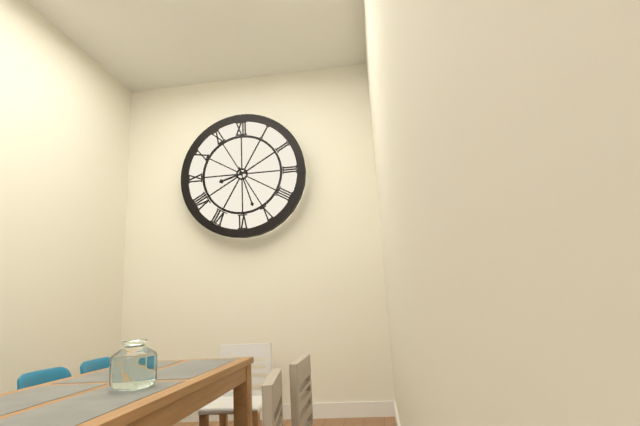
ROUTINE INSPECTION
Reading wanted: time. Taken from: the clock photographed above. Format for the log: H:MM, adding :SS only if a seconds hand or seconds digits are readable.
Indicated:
8:27
